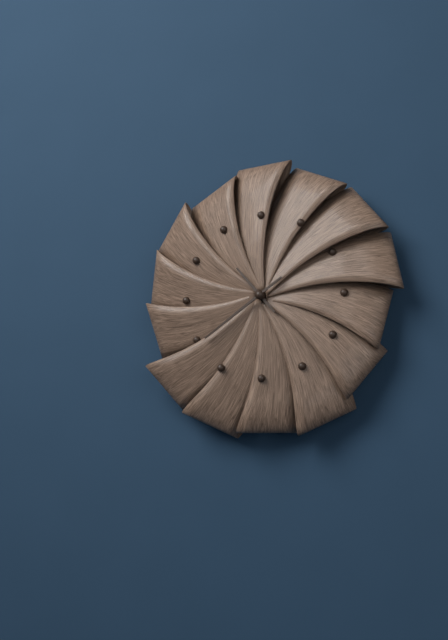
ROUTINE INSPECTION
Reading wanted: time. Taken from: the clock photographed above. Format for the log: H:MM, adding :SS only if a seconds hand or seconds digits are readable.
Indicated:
10:39
